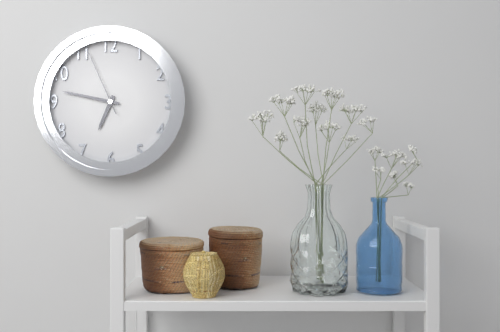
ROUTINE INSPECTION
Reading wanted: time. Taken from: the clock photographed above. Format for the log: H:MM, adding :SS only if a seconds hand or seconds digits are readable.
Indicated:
6:47:56
